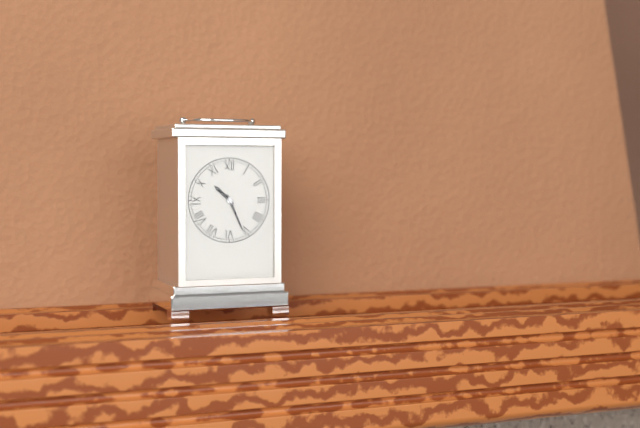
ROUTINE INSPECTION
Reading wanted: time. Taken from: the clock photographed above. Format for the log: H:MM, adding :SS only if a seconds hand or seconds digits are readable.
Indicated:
10:26
